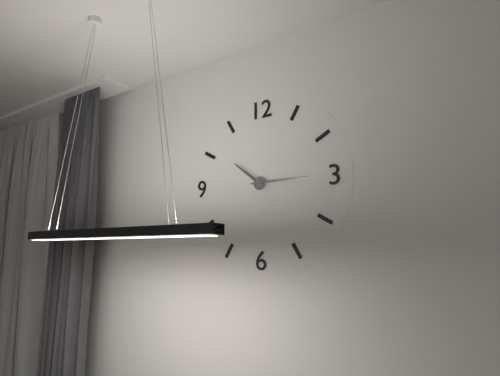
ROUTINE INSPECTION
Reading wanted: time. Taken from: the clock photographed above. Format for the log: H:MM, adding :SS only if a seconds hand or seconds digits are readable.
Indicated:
10:15
